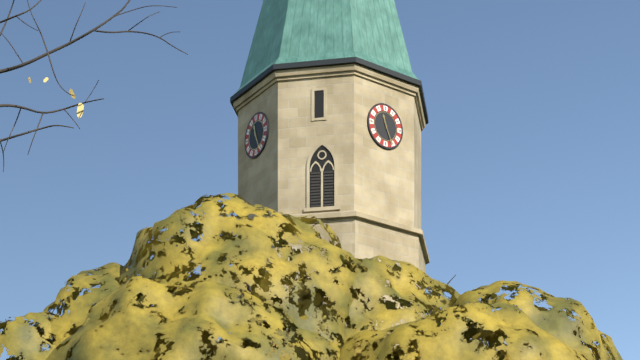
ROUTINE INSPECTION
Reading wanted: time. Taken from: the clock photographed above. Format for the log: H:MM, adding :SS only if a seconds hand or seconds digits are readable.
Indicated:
11:26
